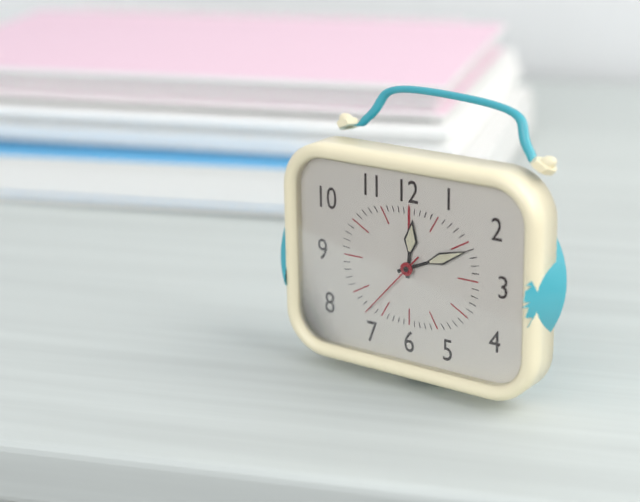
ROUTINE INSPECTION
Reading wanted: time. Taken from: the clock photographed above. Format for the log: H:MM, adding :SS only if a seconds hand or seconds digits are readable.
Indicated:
12:11:37
